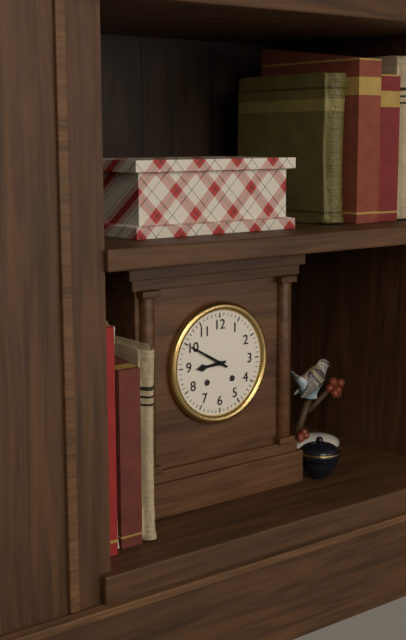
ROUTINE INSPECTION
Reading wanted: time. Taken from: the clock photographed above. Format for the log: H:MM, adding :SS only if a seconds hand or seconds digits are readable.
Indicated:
8:50
